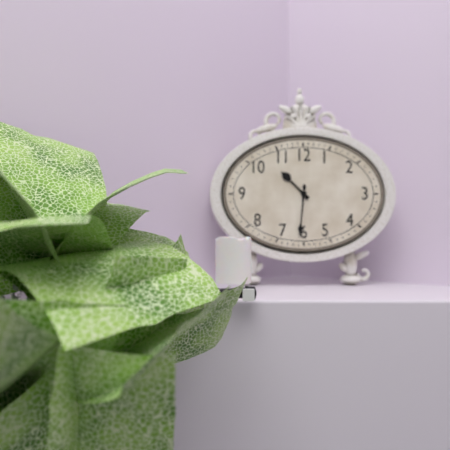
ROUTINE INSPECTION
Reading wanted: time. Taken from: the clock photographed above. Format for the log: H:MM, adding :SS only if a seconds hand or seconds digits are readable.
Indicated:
10:31
